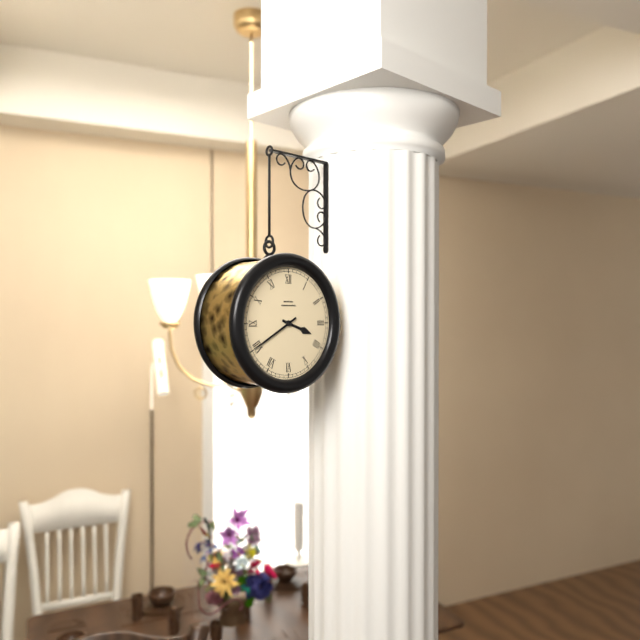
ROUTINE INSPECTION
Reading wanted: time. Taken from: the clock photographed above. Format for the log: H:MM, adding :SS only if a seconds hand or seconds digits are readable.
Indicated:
3:40
